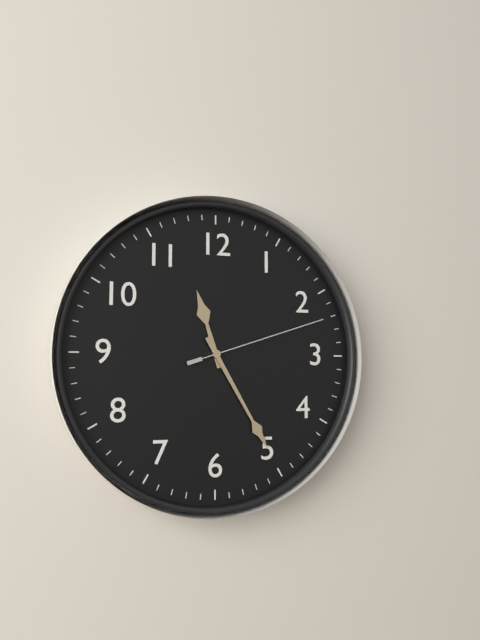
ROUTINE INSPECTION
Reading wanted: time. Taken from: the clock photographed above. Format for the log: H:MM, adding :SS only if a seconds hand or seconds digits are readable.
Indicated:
11:25:12
